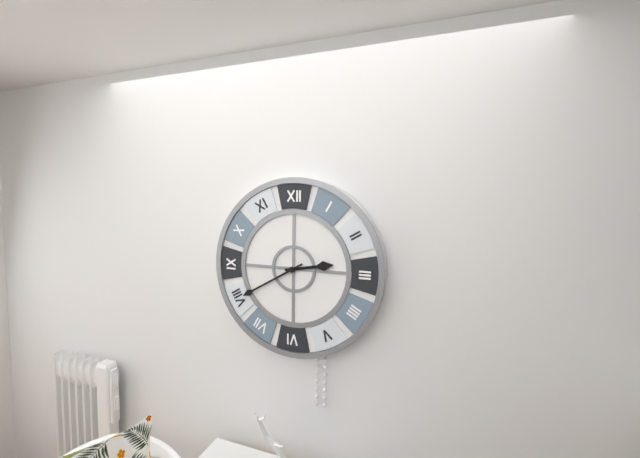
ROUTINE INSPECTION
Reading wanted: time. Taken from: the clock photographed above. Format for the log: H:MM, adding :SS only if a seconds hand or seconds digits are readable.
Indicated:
2:40
